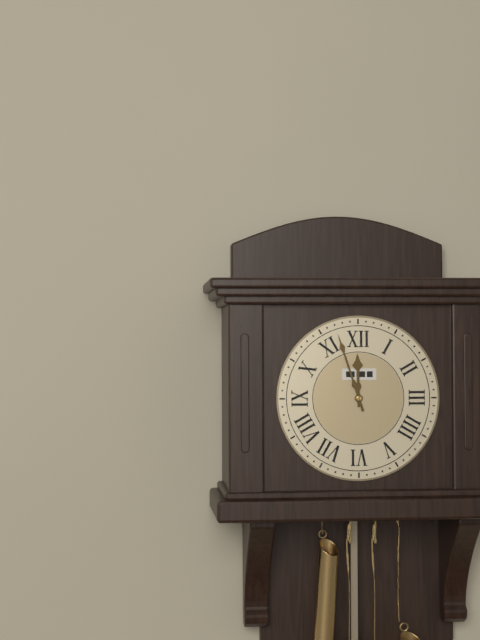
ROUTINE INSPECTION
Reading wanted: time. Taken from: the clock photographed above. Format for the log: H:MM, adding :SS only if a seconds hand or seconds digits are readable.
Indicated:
11:57
